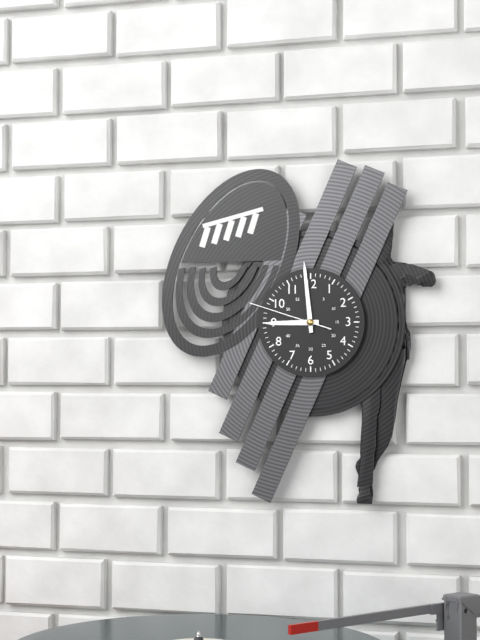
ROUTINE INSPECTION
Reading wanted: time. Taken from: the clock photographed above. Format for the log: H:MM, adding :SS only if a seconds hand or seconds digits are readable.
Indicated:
8:59:48
